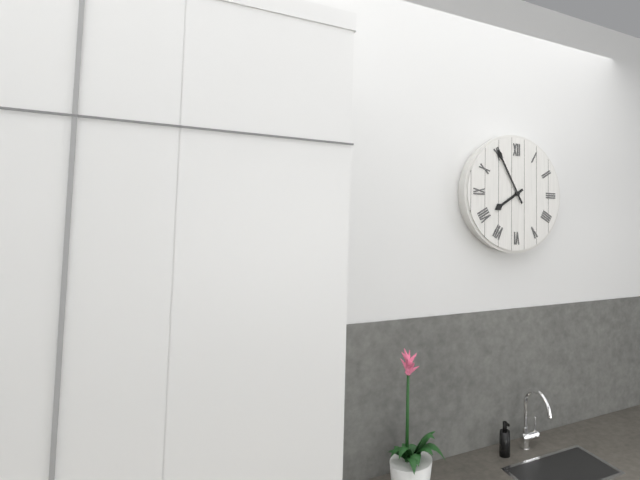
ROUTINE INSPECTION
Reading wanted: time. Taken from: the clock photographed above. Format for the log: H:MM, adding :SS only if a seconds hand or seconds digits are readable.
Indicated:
7:55
